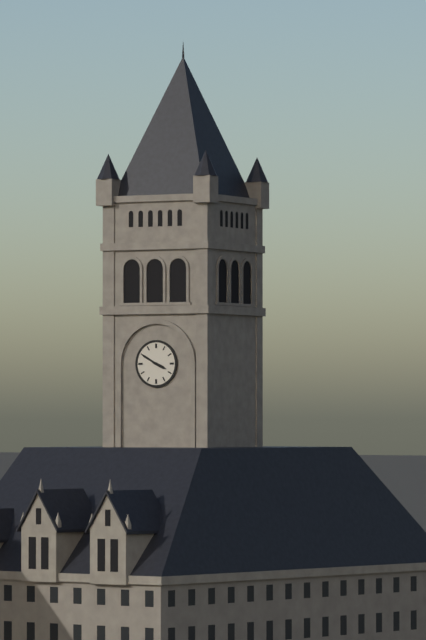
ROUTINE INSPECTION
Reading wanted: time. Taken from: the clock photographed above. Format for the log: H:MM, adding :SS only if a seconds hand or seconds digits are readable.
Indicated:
3:50
